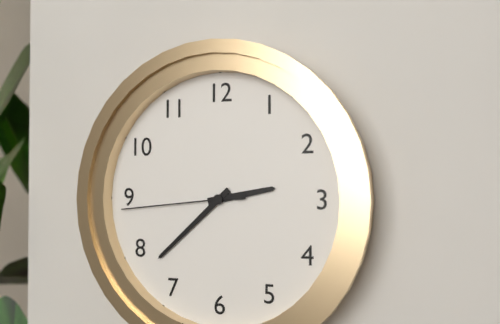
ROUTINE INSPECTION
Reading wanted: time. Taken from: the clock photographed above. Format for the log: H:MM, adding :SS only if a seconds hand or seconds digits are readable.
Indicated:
2:38:44
